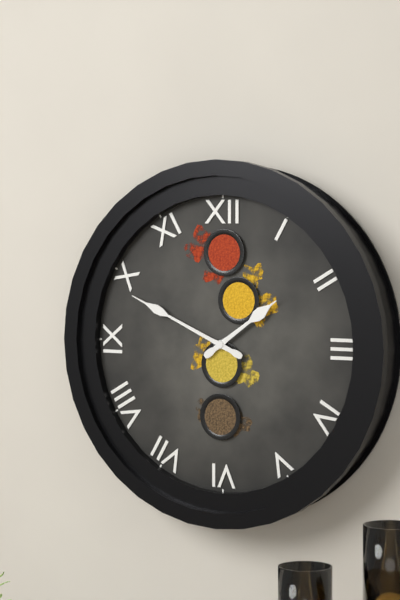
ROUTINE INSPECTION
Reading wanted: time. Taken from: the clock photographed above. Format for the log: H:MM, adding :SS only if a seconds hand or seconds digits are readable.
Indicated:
1:49
